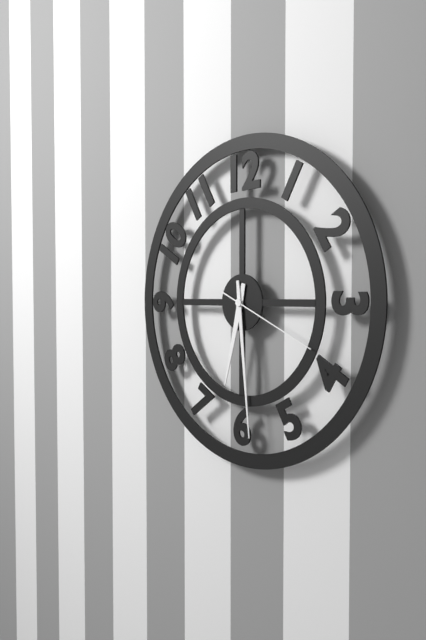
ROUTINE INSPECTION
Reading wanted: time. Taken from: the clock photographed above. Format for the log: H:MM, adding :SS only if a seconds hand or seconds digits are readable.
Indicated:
6:29:19
